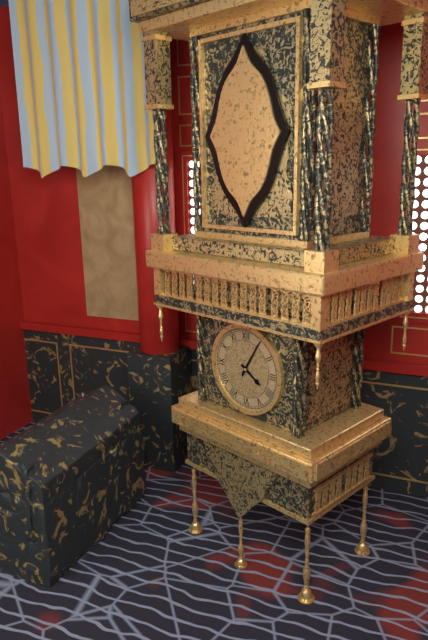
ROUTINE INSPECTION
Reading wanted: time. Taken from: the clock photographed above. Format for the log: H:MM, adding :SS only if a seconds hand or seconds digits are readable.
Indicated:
4:05
